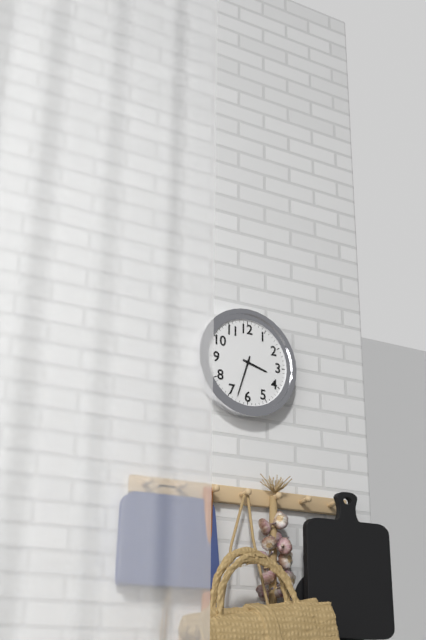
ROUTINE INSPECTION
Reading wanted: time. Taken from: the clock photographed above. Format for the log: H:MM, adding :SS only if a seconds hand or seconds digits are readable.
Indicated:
3:33
